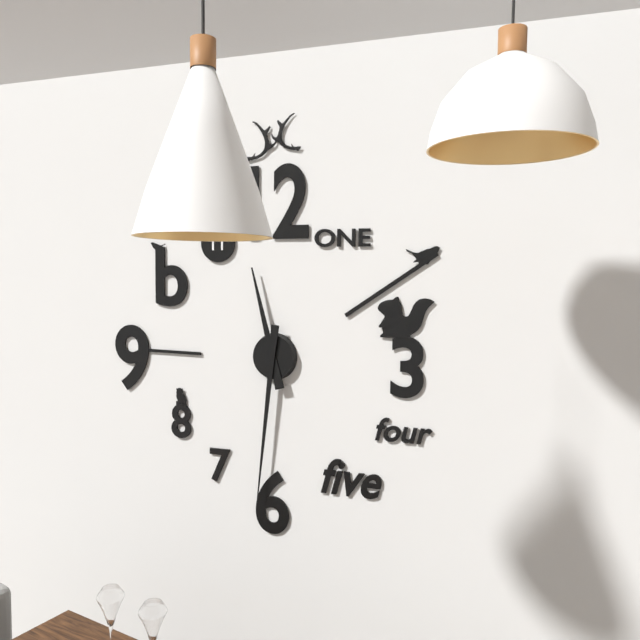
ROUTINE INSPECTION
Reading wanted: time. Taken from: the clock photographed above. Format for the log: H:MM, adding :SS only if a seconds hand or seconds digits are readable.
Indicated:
11:31
